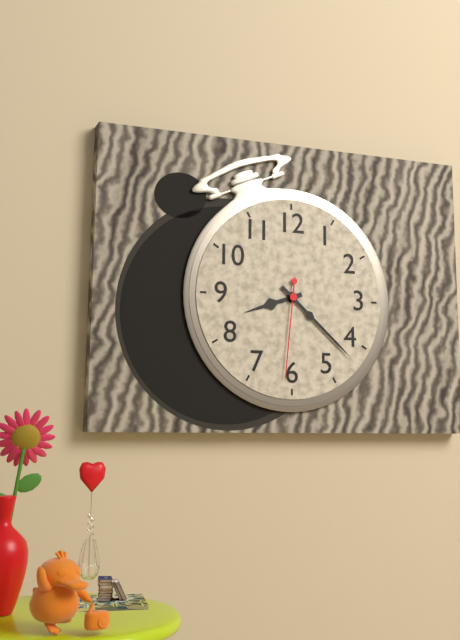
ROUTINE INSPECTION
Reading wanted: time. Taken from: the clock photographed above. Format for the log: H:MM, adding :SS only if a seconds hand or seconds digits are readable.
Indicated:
8:22:31
